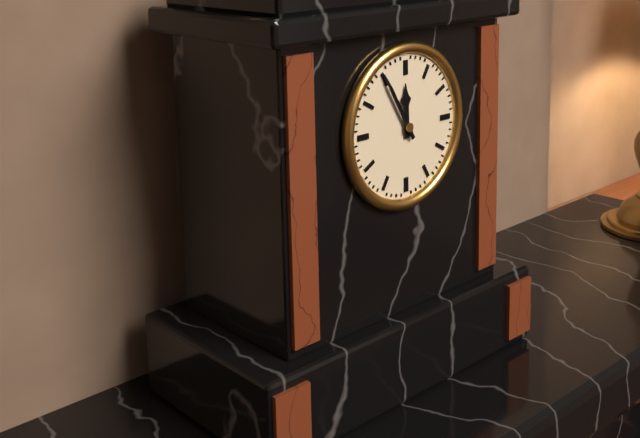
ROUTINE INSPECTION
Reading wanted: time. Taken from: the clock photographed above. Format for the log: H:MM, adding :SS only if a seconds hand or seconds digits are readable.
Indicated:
11:55
